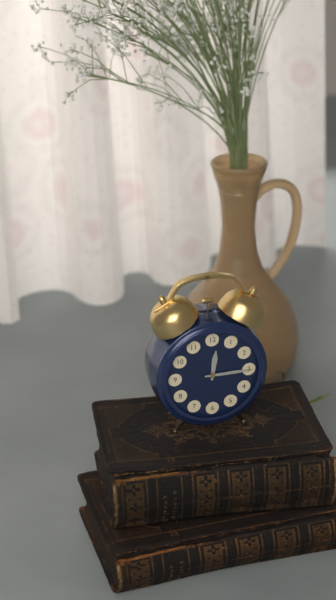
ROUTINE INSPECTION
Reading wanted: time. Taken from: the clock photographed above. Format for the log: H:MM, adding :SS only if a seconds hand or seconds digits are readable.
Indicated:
12:15
